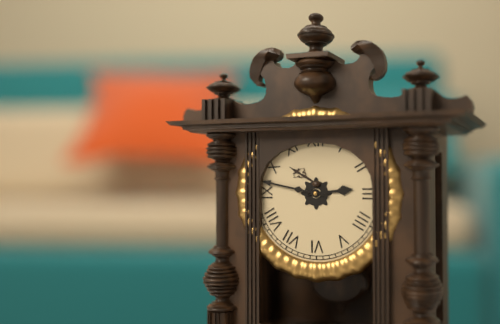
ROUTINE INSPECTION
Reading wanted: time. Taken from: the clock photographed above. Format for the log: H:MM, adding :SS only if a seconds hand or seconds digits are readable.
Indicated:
2:47
